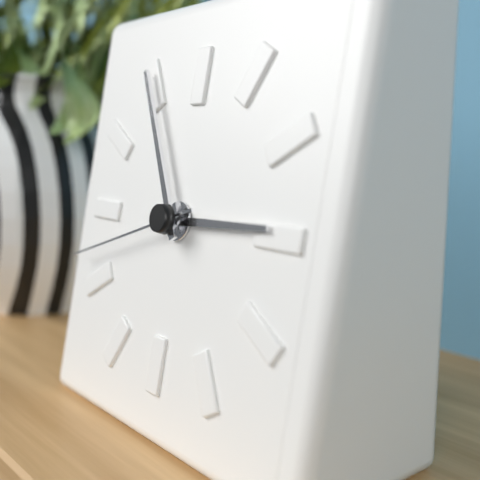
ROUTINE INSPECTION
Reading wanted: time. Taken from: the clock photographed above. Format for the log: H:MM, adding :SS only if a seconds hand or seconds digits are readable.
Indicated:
2:55:42
